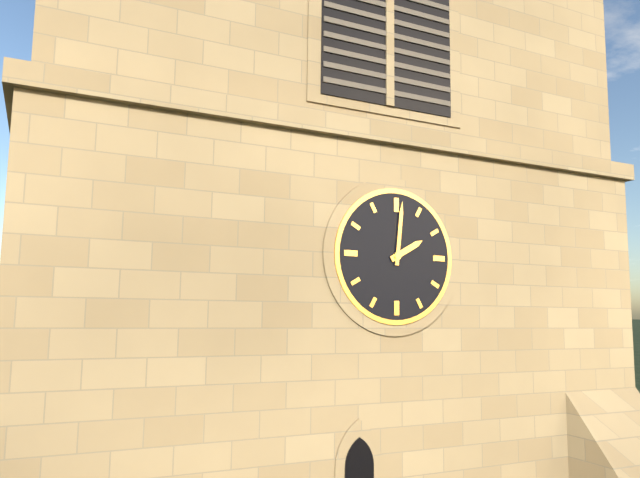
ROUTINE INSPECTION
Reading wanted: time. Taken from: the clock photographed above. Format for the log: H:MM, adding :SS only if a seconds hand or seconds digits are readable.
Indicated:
2:01
